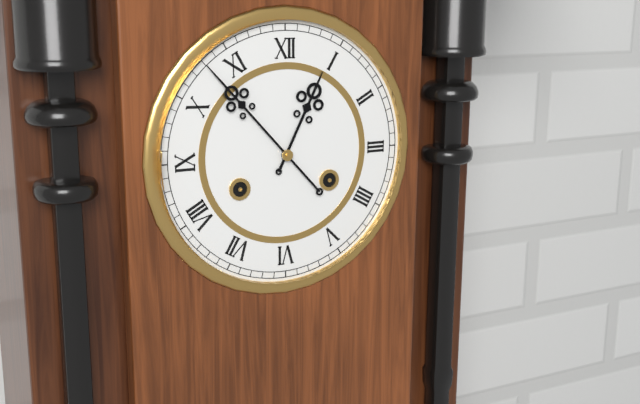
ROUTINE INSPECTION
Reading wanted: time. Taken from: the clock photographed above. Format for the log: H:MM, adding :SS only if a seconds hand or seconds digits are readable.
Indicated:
12:53
